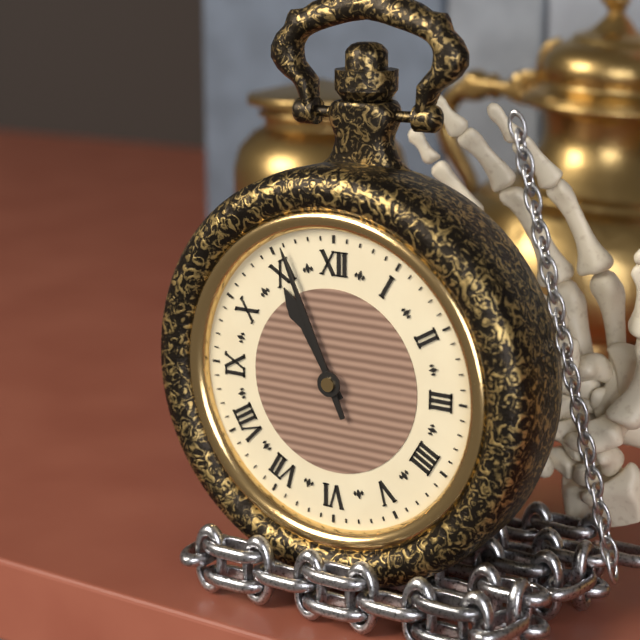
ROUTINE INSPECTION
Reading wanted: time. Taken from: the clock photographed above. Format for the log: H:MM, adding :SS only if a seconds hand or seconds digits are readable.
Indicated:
10:56
